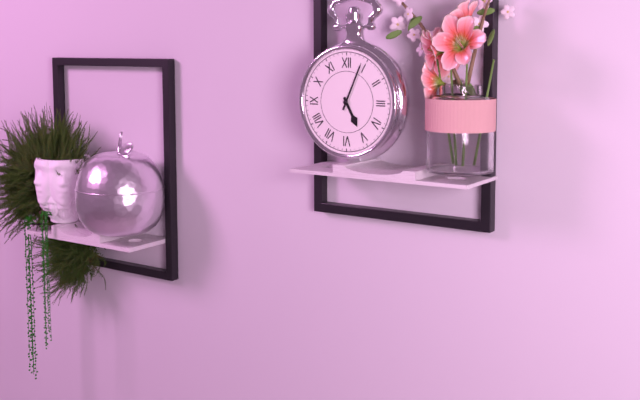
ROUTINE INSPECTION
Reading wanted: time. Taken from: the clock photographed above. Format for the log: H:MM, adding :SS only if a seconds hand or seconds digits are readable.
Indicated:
5:04
